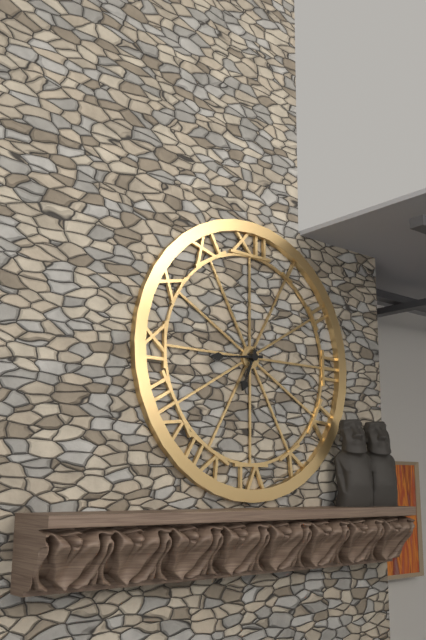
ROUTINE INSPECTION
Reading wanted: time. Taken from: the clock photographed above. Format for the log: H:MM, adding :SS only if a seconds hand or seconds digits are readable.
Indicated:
6:44
